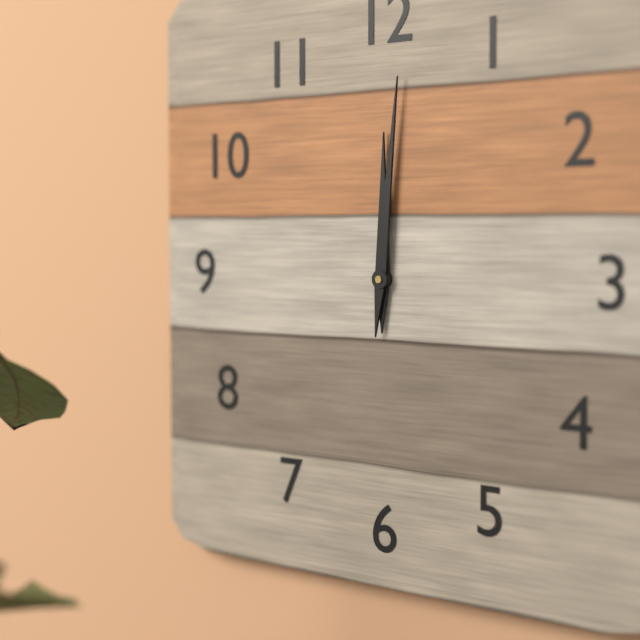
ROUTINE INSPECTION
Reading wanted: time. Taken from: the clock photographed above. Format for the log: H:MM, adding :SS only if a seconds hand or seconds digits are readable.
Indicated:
12:01
